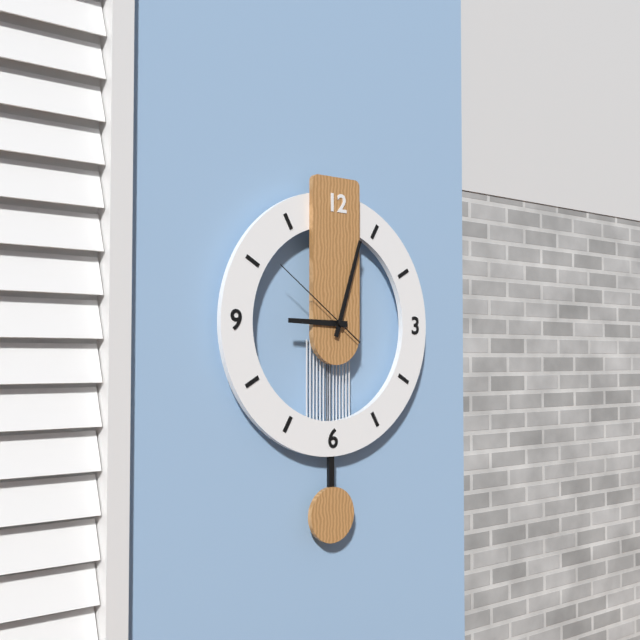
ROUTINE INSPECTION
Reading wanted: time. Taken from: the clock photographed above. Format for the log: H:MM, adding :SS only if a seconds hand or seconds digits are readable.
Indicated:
9:03:51
